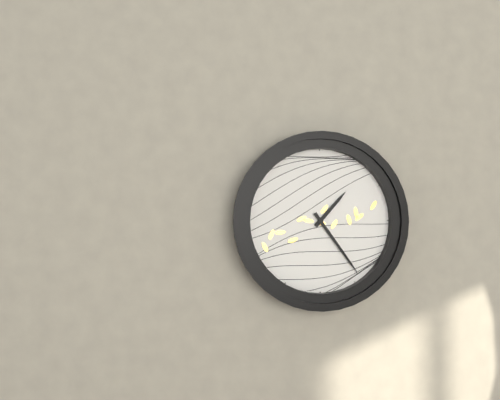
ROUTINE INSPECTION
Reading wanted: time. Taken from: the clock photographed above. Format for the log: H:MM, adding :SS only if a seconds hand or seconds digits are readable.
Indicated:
1:24
